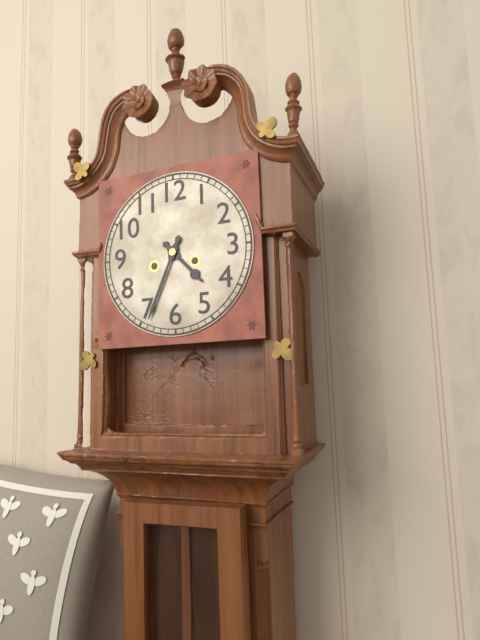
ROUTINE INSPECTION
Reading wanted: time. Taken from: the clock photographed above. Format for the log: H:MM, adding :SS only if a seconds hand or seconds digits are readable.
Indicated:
4:34
